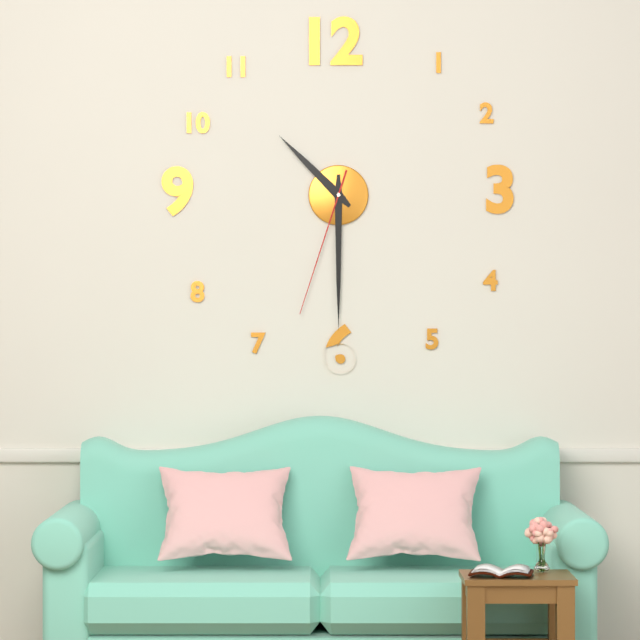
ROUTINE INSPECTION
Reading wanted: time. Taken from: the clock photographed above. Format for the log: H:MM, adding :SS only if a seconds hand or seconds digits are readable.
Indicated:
10:30:33
